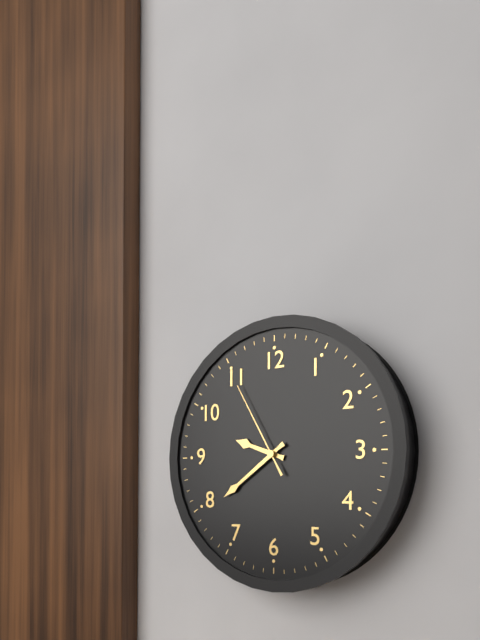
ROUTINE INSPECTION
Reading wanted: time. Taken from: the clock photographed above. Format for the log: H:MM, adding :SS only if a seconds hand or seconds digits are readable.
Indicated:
9:39:55
